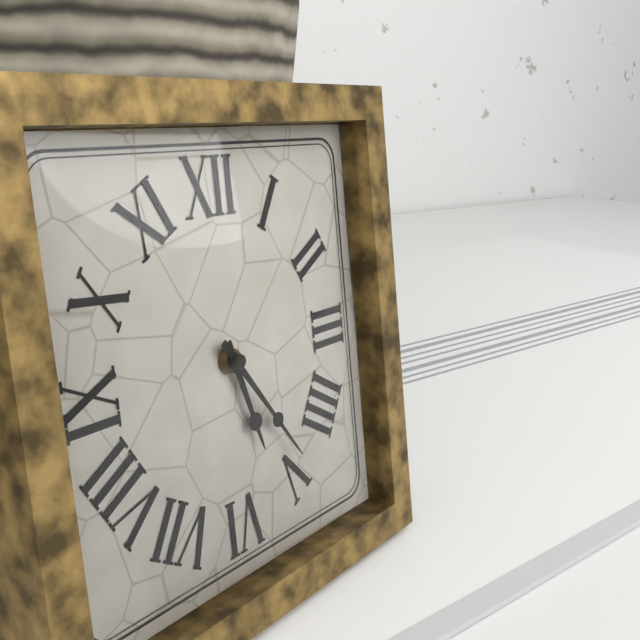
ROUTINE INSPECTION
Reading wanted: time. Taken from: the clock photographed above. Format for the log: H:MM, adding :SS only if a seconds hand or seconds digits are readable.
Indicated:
5:24
